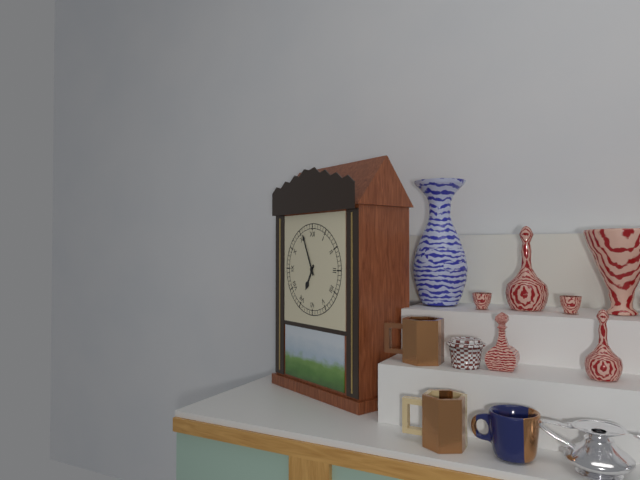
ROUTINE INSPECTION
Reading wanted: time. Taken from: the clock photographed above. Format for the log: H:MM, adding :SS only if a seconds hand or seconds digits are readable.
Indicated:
6:56
